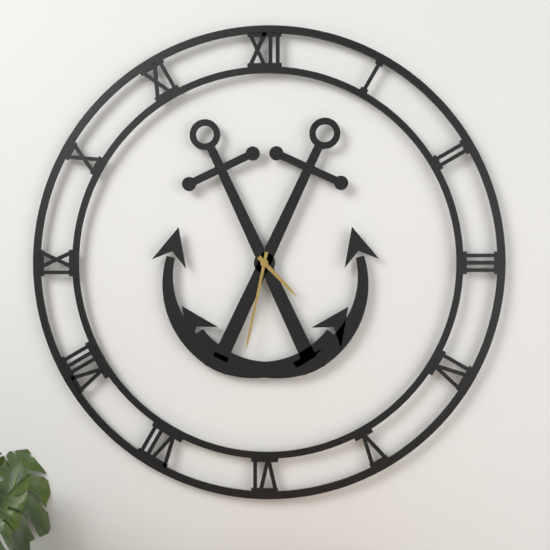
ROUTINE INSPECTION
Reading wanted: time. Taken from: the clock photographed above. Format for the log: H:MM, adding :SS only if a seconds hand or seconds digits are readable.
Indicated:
4:32
